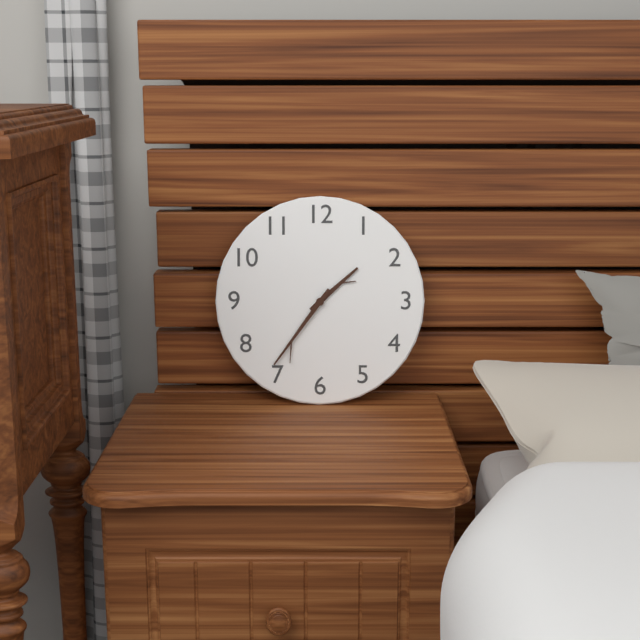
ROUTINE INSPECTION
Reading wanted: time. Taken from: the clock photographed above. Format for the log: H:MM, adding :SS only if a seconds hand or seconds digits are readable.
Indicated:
1:36
